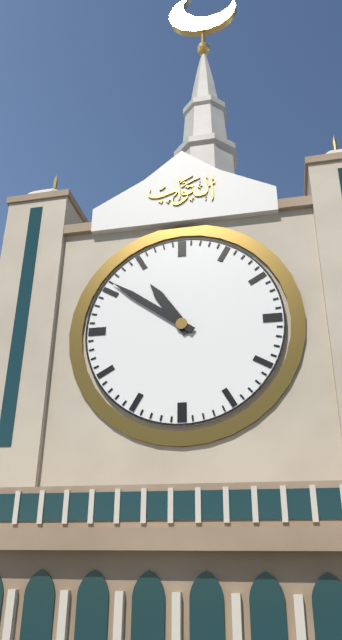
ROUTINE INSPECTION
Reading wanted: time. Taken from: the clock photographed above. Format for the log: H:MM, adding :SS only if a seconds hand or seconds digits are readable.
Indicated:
10:51
